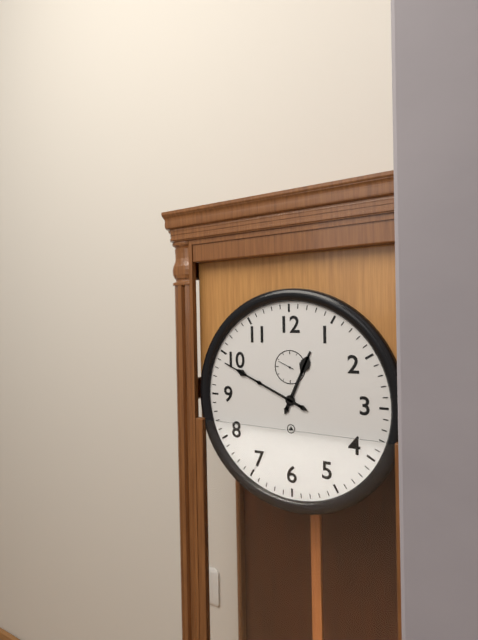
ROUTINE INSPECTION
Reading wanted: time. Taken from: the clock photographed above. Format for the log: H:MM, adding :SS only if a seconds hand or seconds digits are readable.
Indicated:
12:49
